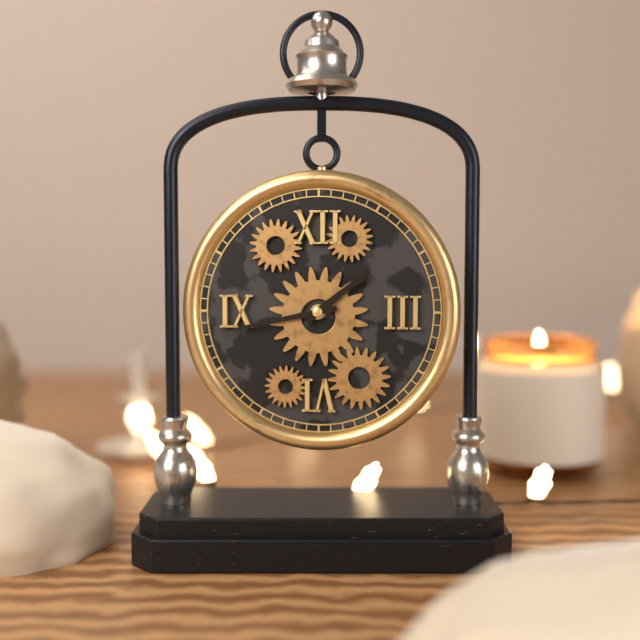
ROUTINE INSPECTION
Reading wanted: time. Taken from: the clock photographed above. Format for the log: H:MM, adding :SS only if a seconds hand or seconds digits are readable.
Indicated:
1:43
